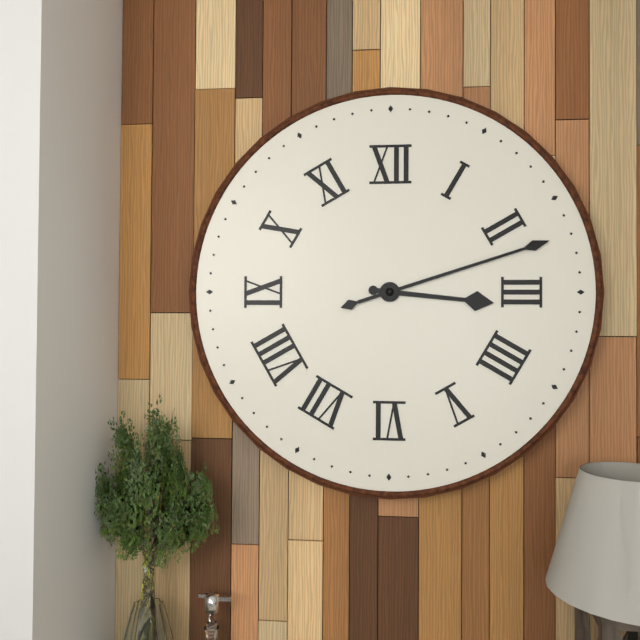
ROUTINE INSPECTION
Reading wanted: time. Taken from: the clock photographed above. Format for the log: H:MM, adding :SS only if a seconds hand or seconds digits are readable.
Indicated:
3:12
